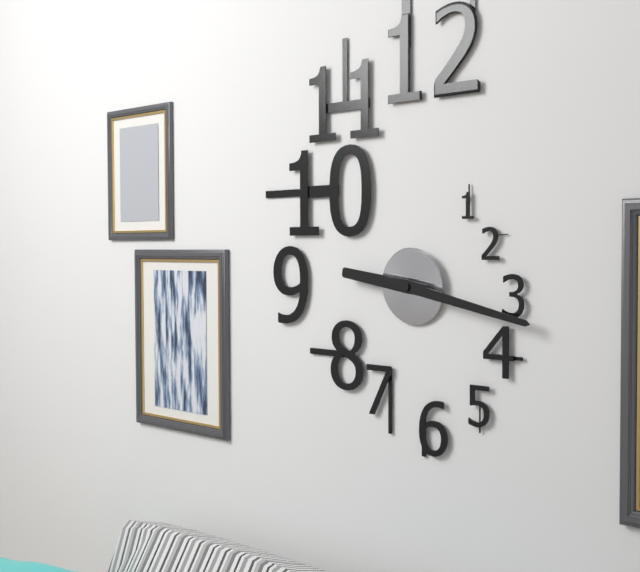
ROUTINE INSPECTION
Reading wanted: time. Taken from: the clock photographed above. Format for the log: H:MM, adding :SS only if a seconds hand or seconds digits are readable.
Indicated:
9:17
